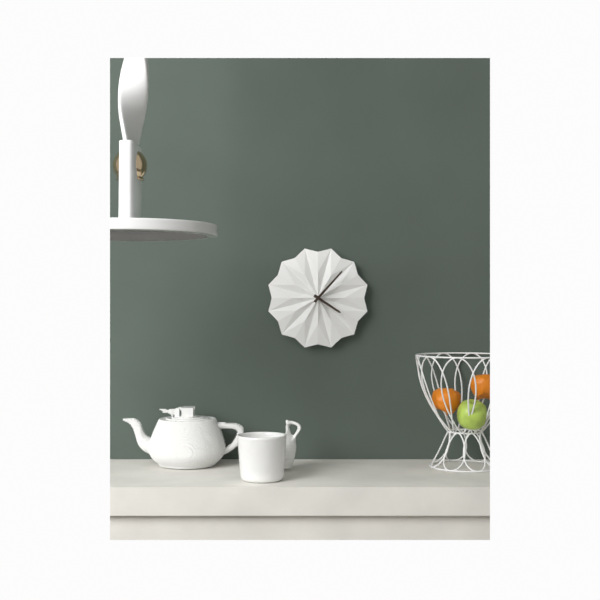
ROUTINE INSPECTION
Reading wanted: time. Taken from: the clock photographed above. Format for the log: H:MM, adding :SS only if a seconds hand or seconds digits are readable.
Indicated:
4:07
